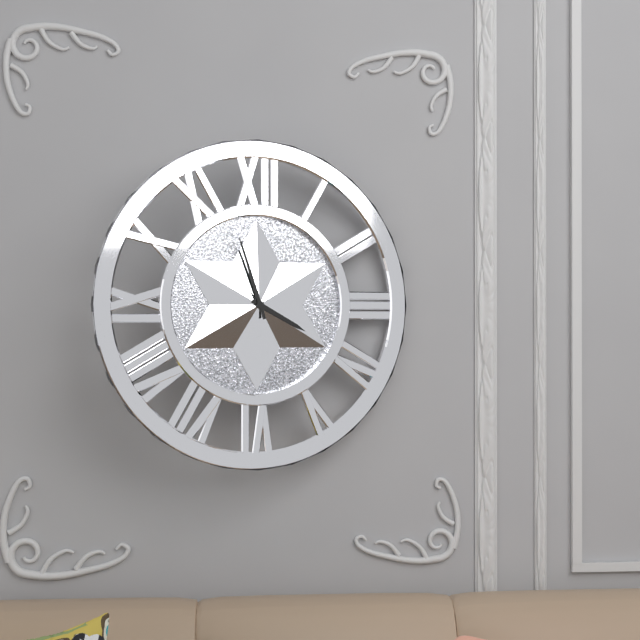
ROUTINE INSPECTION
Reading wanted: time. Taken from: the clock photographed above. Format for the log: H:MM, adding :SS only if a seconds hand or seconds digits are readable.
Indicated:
3:57
